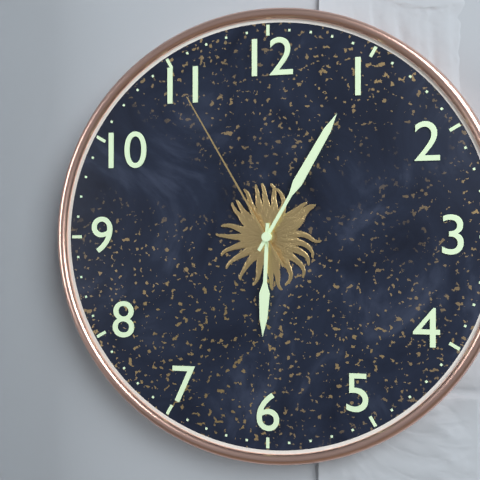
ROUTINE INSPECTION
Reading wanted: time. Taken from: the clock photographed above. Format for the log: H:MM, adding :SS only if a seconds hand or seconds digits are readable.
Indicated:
6:05:55
